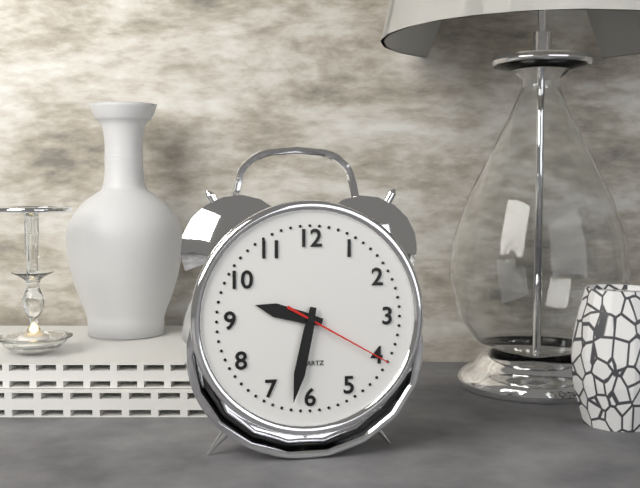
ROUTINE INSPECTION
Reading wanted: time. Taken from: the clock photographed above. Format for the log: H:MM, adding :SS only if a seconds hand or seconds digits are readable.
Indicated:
9:32:20
